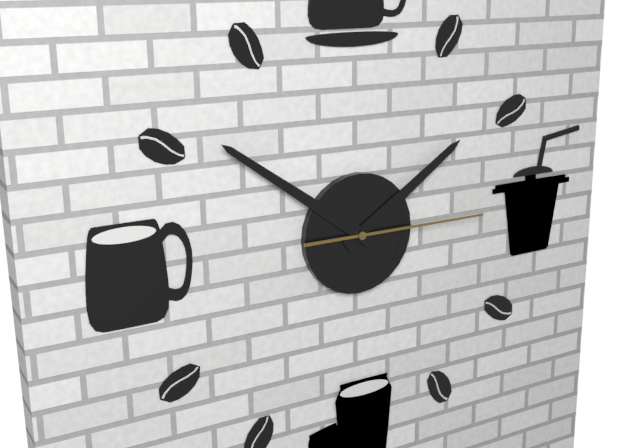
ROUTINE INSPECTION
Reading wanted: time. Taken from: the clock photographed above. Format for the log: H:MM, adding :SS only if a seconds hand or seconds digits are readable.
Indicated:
1:51:15
